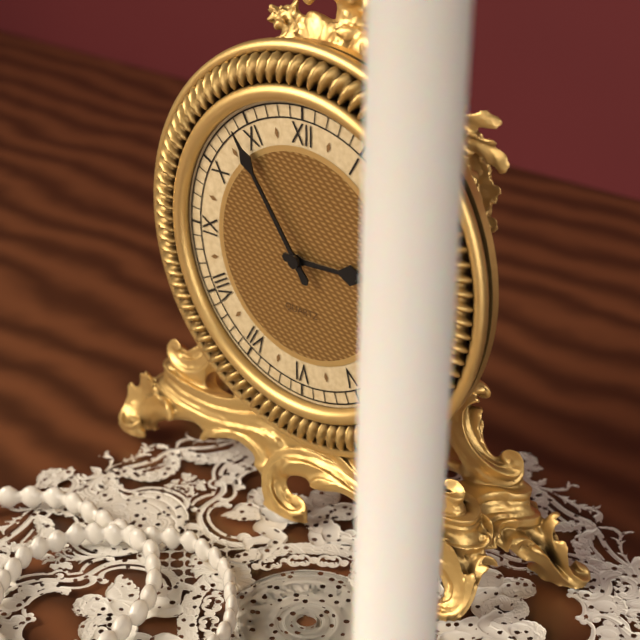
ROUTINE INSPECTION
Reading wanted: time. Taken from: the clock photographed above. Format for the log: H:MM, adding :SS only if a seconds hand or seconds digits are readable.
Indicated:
2:54
